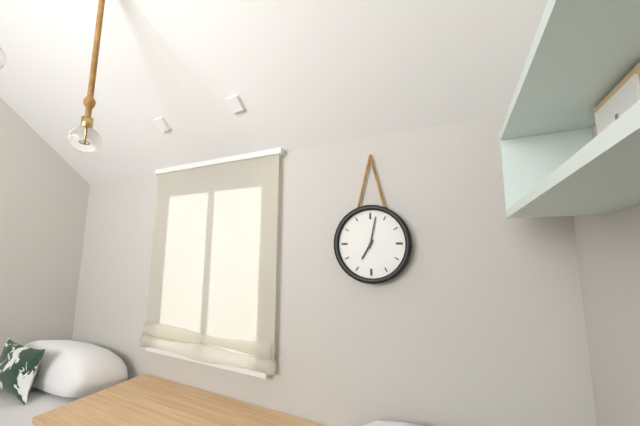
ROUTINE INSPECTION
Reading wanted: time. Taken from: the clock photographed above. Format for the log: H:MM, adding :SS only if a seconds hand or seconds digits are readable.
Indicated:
7:02
